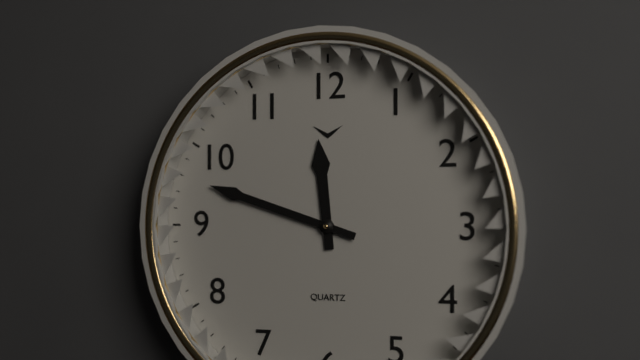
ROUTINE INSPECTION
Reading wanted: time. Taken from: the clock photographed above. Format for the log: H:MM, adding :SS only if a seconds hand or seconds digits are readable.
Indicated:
11:48
